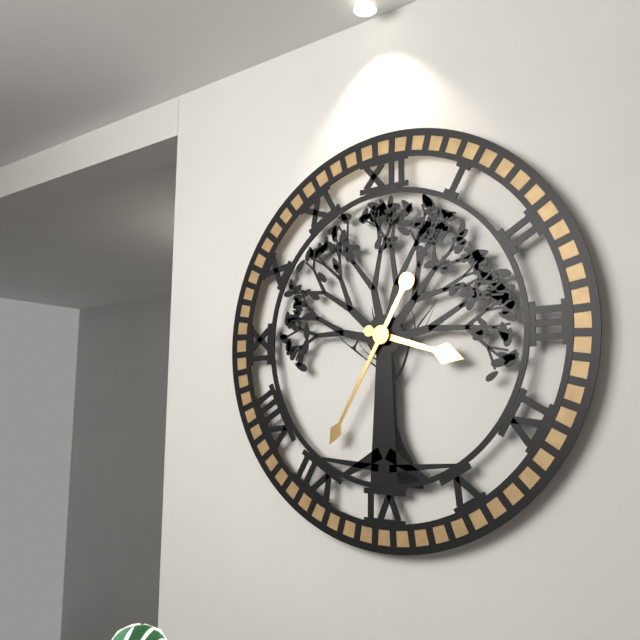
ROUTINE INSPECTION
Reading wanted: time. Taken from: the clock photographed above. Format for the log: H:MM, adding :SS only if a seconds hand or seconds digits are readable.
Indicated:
3:35
